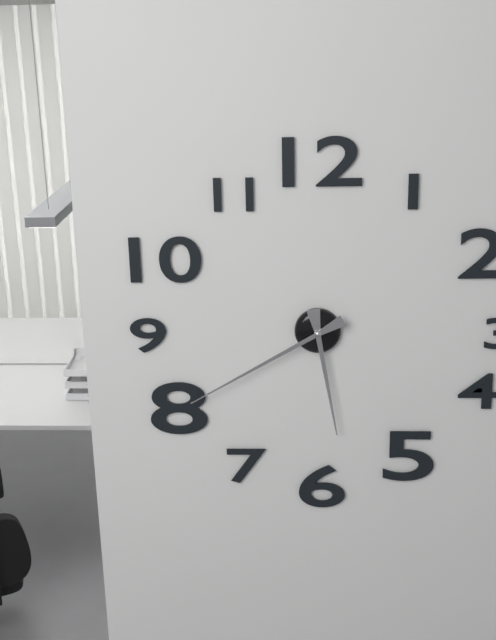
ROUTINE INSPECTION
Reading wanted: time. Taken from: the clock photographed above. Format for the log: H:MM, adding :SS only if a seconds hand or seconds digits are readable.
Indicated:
5:40
